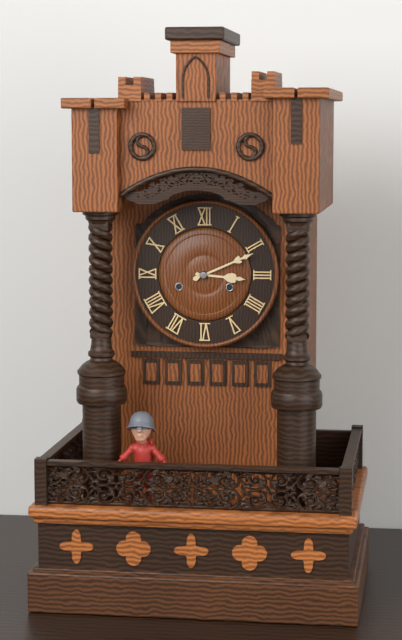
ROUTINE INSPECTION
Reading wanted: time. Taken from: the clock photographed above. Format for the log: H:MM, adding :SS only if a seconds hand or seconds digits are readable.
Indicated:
3:11
